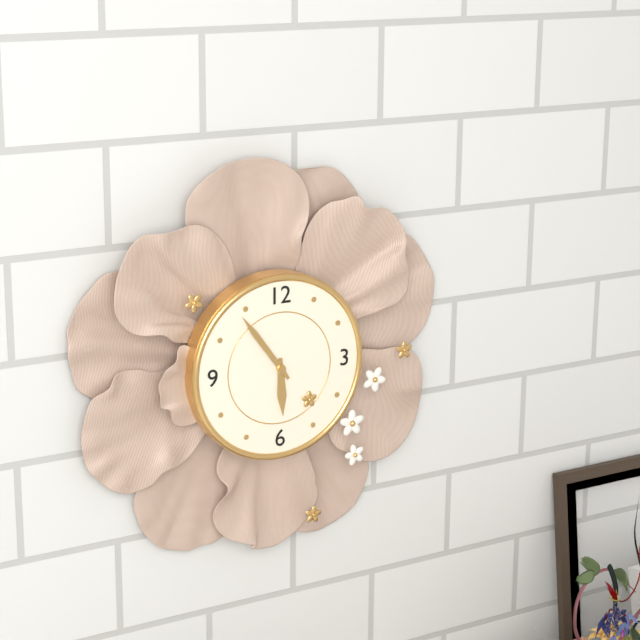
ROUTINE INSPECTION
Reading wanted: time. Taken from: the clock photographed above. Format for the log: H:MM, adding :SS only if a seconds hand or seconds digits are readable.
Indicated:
5:54
